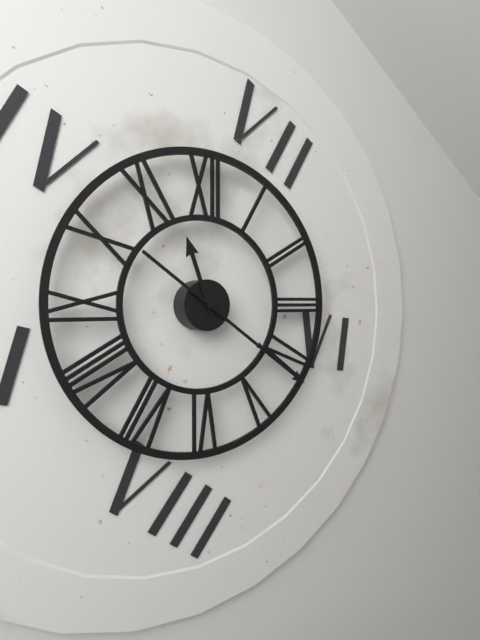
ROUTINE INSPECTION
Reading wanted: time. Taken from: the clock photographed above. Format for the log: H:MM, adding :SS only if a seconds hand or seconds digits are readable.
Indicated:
11:21:21
